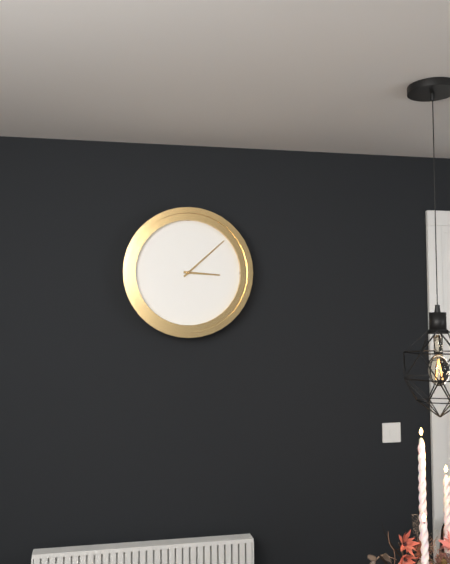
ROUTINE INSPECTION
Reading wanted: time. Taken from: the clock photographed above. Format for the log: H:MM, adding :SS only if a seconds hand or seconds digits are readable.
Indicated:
3:08
